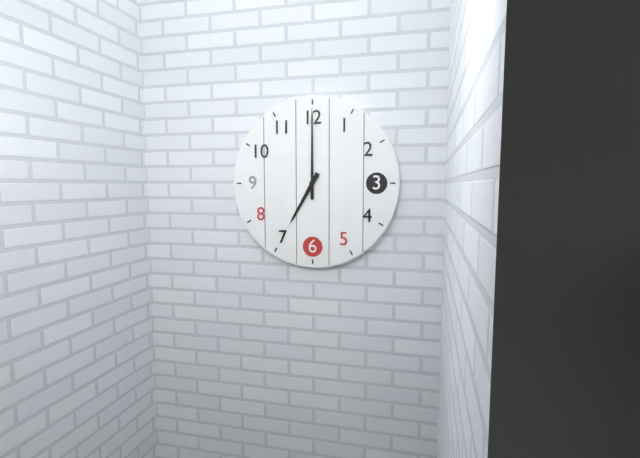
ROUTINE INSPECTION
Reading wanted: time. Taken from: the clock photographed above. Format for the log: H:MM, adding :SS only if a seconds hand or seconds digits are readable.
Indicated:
7:00
